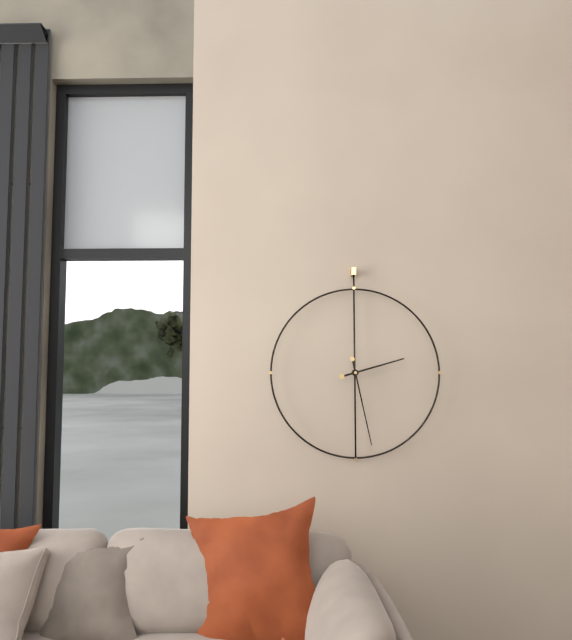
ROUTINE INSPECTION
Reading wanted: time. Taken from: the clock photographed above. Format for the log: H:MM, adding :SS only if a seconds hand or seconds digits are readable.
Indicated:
2:28
